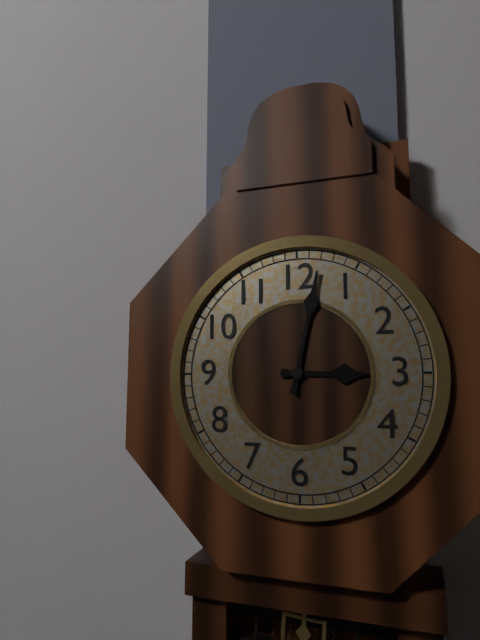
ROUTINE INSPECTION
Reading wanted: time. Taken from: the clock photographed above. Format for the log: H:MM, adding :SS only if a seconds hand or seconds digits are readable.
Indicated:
3:02
